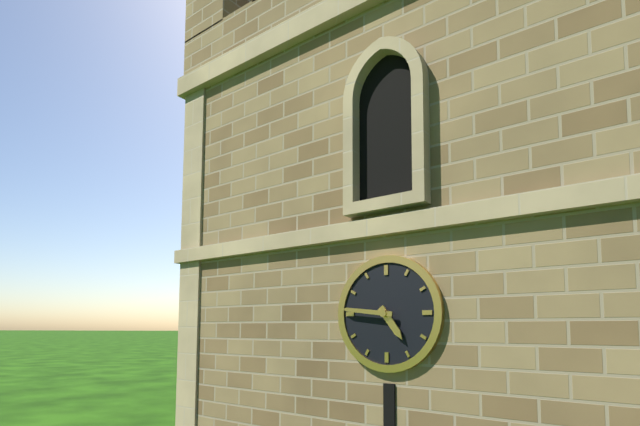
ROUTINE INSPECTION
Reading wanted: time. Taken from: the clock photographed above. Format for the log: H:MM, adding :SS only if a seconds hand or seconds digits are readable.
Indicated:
4:46
